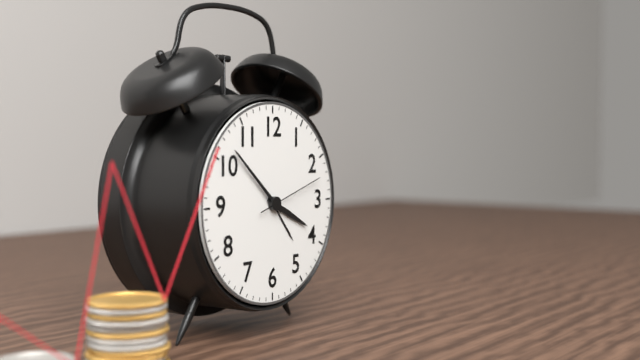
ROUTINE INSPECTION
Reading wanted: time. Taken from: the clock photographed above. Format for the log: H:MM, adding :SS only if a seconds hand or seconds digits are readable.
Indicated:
3:52:12
